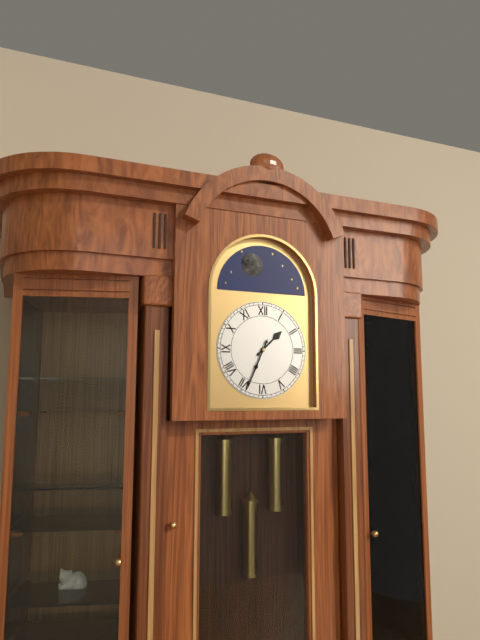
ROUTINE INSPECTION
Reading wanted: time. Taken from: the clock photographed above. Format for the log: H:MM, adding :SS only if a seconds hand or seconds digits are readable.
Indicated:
1:34
